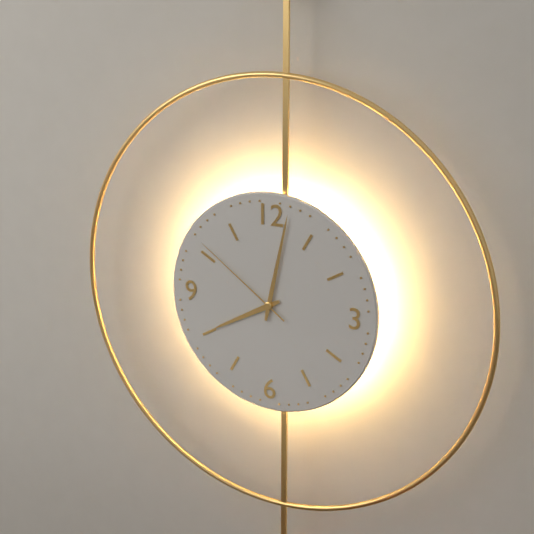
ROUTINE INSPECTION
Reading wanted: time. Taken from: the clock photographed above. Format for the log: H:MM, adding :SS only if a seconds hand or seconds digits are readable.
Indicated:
8:02:51
